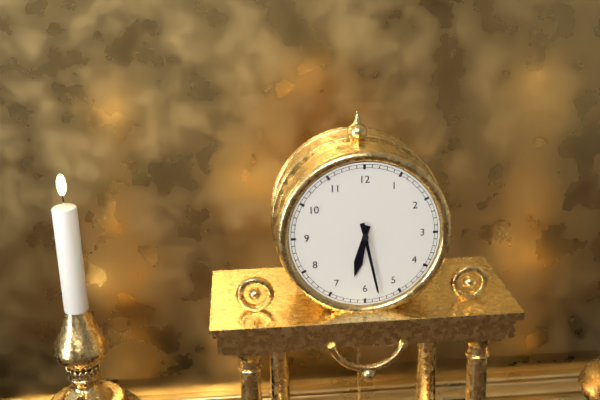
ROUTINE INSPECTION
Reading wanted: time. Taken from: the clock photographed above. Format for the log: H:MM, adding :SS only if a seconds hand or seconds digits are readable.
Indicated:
6:28
